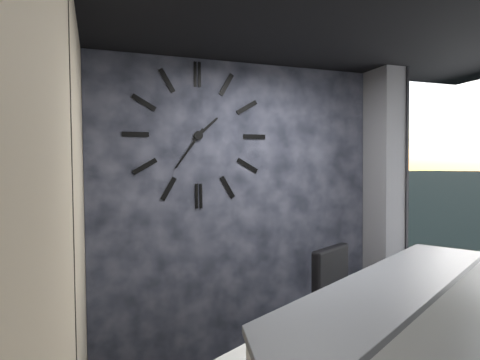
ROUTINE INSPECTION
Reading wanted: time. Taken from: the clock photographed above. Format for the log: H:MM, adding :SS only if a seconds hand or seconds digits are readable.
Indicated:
1:36
